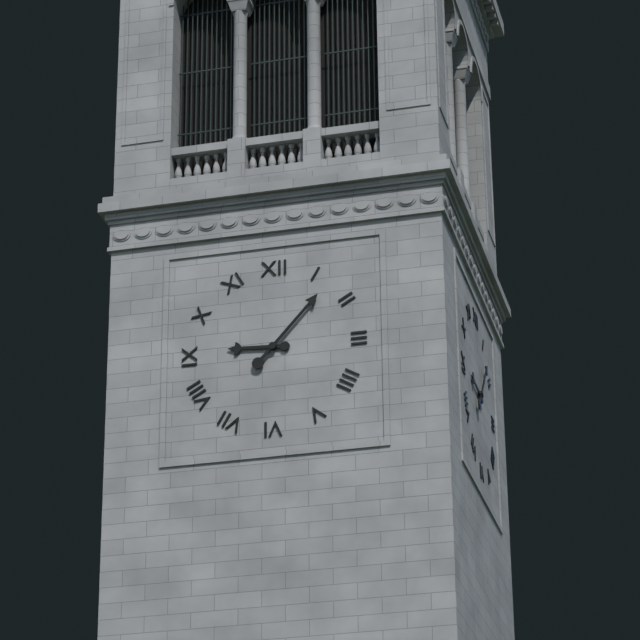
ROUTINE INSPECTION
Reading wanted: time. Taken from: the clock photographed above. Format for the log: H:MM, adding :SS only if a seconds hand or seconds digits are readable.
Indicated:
9:07
